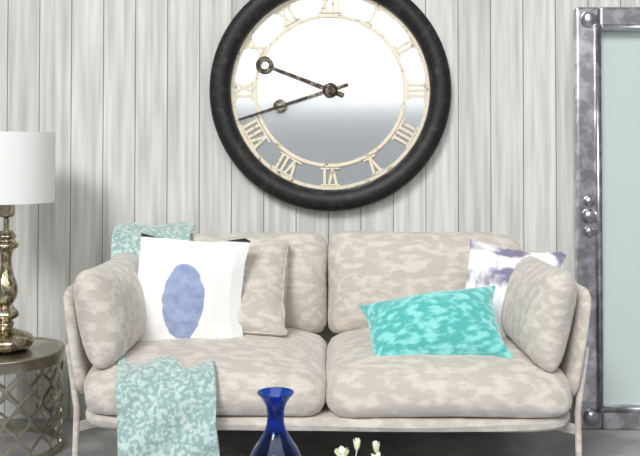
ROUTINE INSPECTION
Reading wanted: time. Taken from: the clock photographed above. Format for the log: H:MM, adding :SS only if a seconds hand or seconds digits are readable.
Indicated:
9:42
